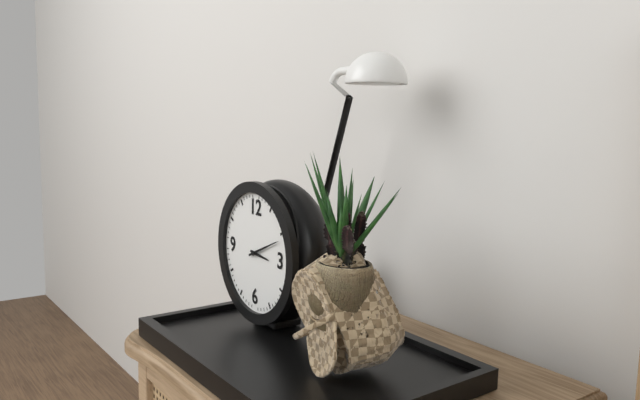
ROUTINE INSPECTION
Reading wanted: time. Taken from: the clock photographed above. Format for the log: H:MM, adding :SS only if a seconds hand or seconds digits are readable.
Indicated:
3:11
